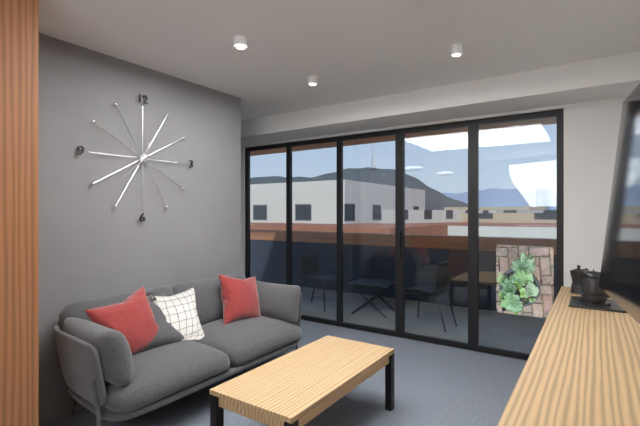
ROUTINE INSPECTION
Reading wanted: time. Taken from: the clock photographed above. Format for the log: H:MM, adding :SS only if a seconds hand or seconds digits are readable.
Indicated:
12:38
